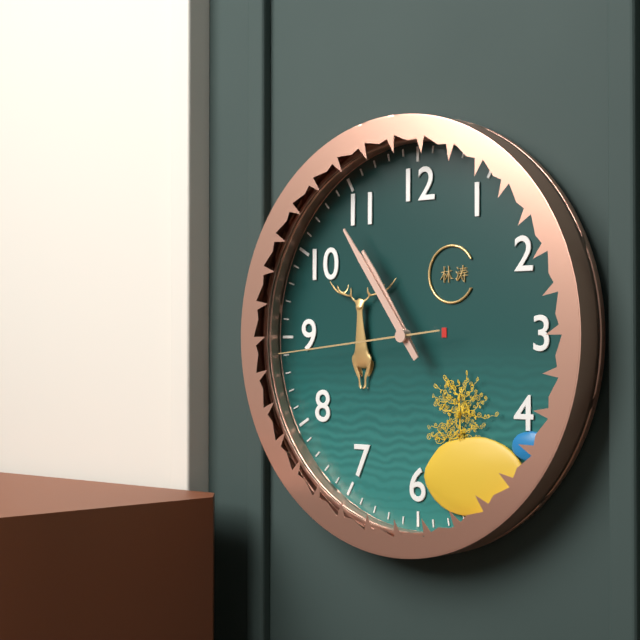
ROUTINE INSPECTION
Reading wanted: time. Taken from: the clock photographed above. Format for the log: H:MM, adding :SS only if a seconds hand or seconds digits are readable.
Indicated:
10:54:44
